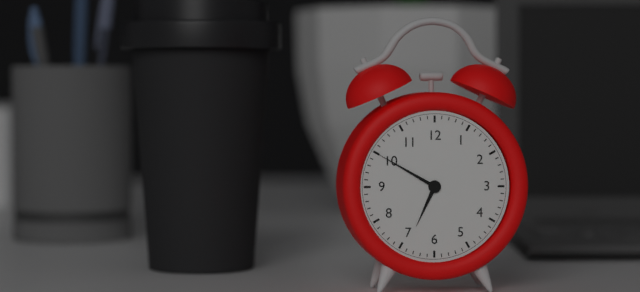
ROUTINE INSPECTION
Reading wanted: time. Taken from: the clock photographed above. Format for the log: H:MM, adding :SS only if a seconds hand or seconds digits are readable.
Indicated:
6:50
